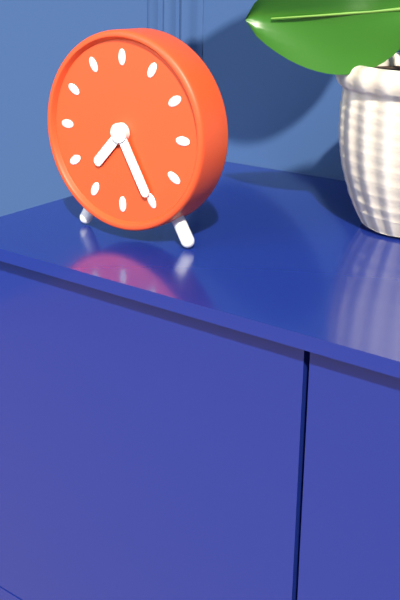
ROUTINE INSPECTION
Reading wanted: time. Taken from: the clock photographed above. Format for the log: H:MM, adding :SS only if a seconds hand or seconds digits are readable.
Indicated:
7:25
